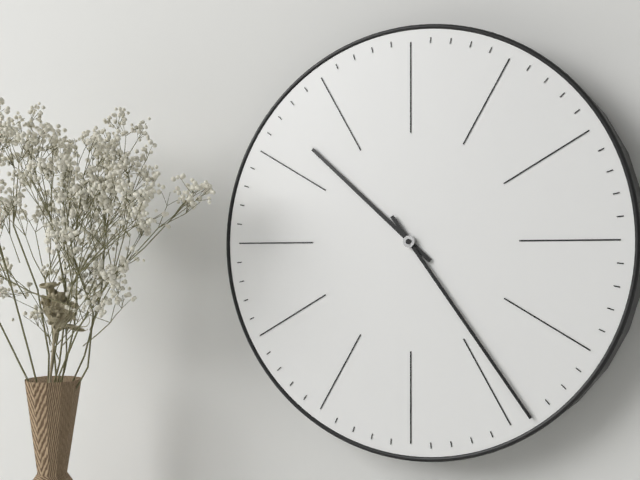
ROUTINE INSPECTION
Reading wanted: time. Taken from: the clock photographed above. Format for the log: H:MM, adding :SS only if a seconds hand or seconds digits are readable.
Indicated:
10:24
